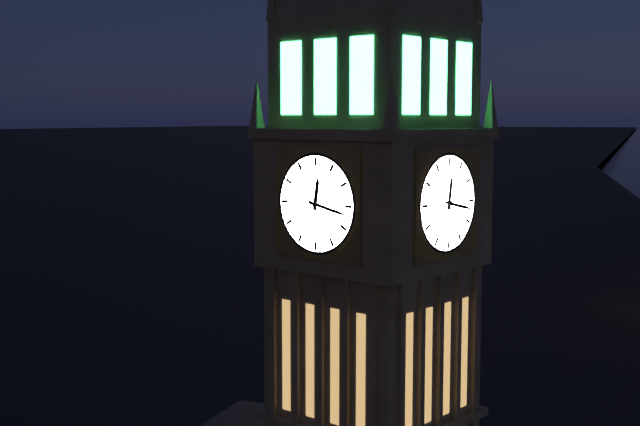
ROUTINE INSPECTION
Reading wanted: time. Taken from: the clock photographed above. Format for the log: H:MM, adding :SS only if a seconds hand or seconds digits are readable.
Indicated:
12:17
